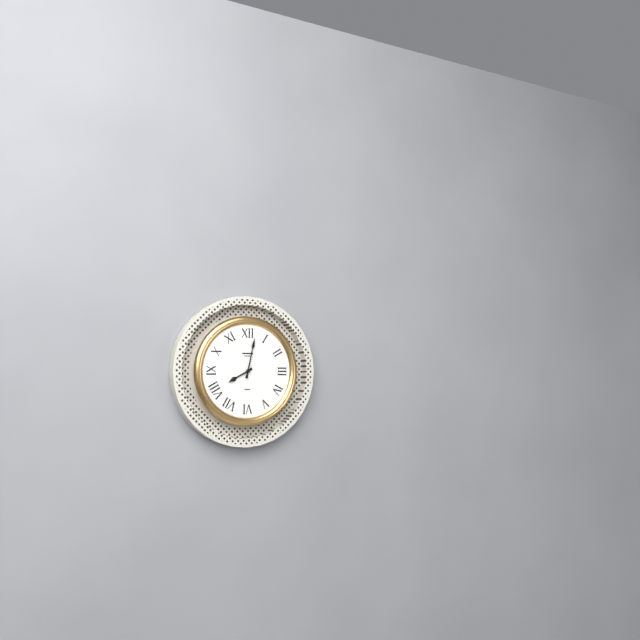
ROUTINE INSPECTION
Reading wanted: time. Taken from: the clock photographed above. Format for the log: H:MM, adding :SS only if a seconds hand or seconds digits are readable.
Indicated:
8:02
